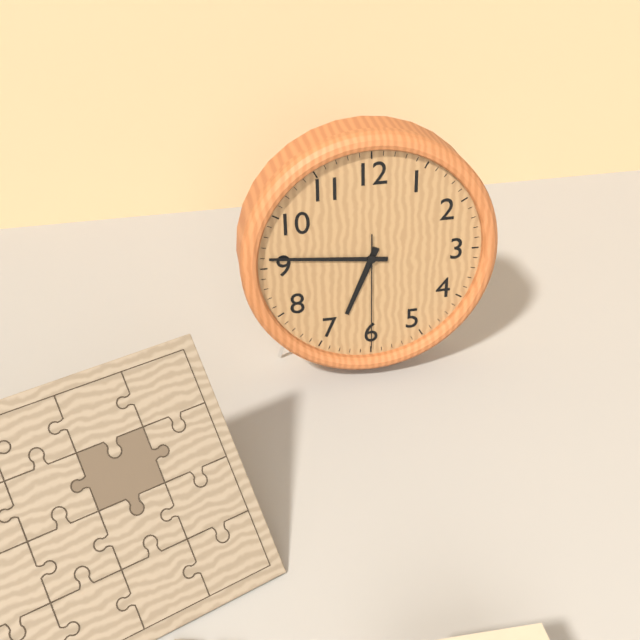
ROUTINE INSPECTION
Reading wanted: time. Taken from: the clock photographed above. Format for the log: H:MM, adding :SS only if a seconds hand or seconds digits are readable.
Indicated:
6:46:30
